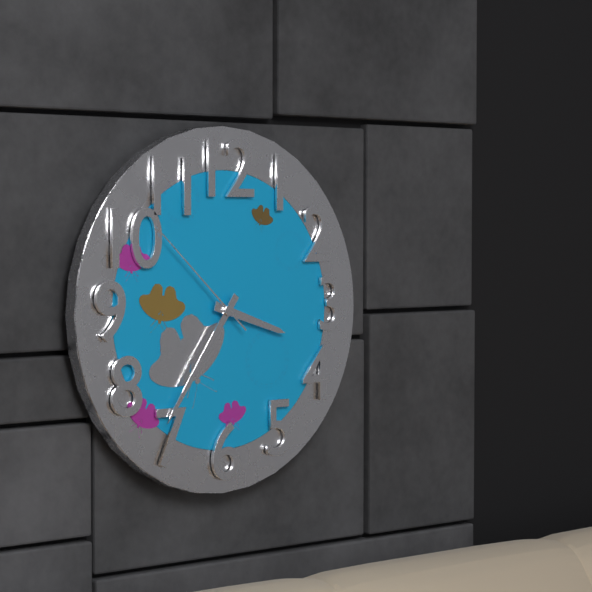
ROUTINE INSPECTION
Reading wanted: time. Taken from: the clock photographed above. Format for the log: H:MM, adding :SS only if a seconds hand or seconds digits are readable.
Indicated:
3:36:52
